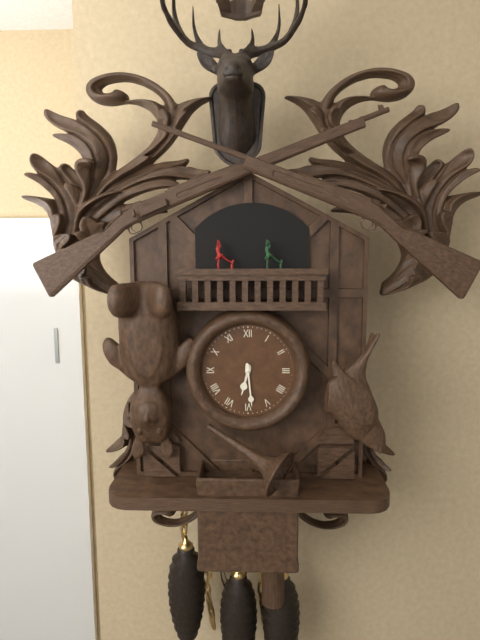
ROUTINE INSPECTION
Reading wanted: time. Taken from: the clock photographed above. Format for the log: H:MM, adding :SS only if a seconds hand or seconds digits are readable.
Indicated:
6:29
